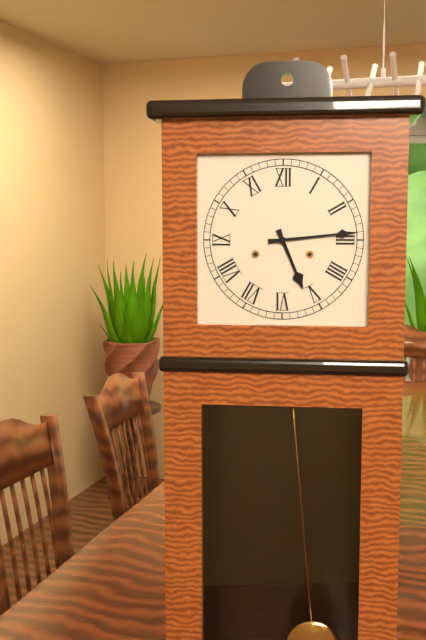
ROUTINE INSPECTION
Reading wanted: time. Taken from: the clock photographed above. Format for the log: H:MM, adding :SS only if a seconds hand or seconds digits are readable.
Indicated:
5:14
